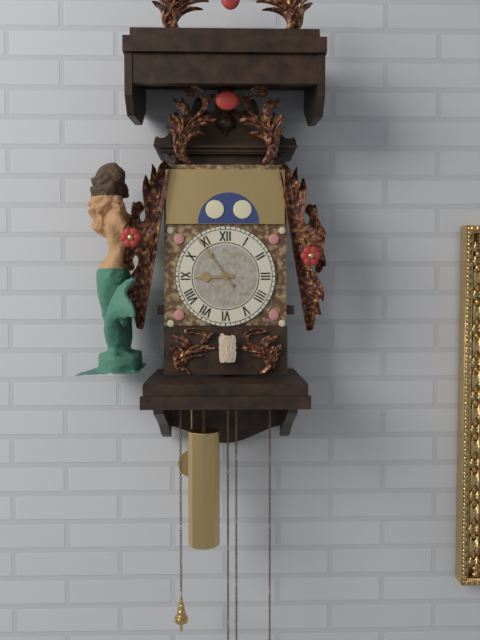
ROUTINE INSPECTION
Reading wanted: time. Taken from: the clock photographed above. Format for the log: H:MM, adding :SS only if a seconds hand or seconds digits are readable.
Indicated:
8:54
